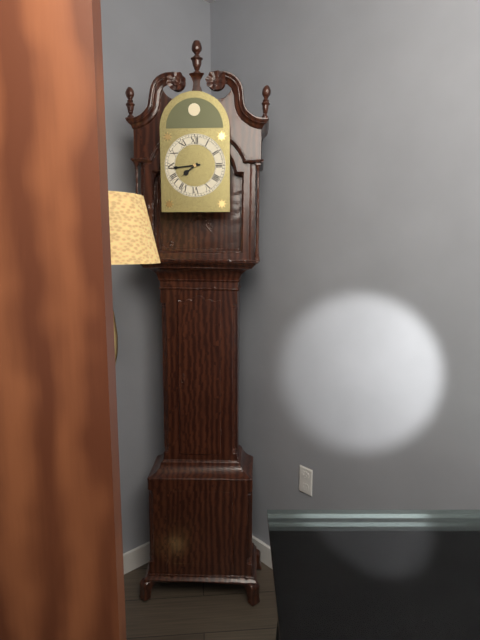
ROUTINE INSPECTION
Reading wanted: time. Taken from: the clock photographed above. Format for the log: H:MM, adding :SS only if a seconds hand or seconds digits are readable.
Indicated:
7:44
